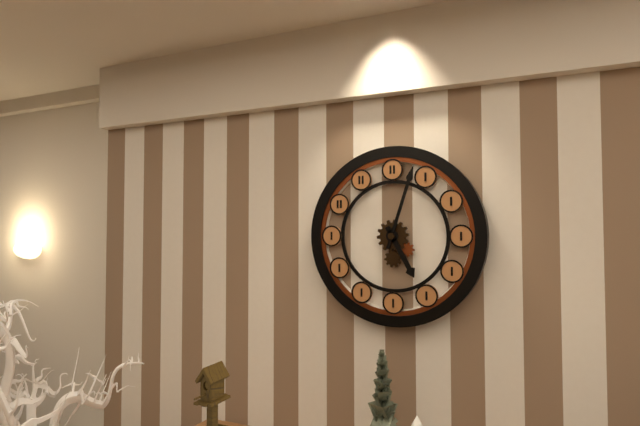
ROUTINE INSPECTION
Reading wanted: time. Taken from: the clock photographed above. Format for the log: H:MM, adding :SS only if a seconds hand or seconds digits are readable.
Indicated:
5:03
